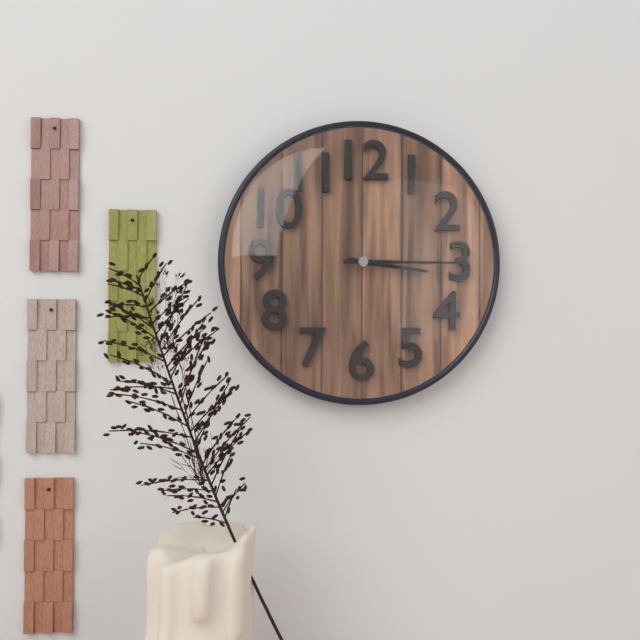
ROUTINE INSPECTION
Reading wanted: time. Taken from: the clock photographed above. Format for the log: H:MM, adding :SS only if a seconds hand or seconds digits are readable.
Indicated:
3:15
